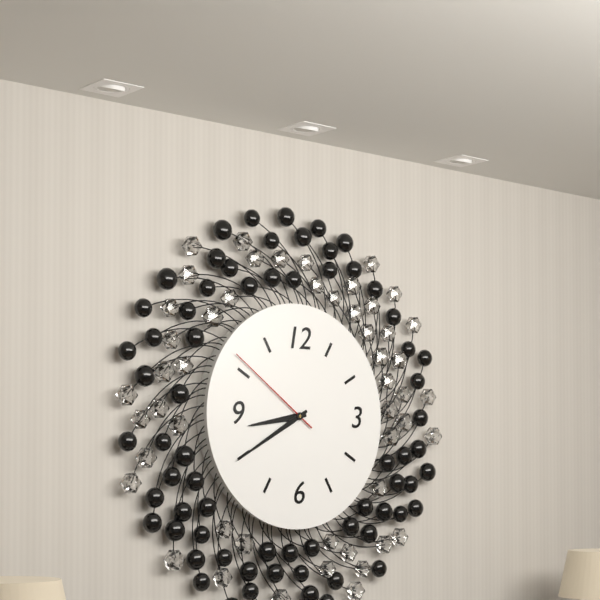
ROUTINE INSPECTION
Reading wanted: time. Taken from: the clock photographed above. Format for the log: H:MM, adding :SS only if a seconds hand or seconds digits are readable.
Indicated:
8:40:51
